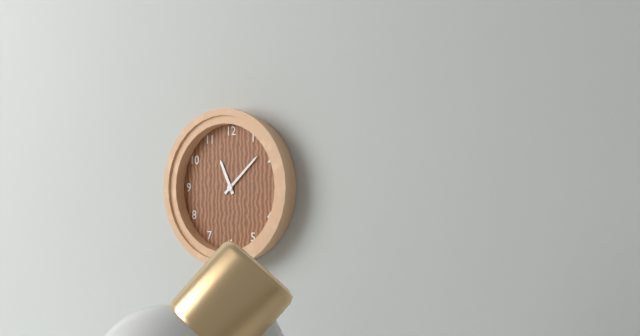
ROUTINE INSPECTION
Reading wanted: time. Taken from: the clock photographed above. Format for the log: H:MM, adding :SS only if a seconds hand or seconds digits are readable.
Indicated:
11:08
